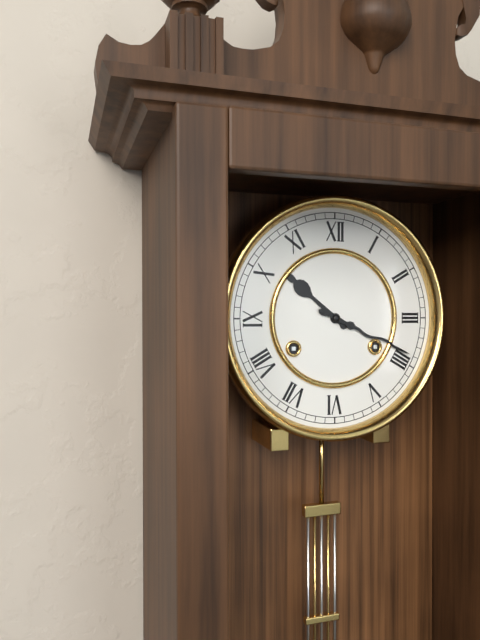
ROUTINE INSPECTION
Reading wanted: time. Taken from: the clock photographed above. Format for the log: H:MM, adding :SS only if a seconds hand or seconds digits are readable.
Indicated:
10:19
